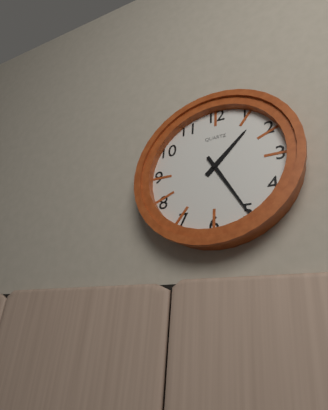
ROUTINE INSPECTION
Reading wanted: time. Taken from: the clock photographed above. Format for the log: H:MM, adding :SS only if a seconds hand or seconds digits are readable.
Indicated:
1:25
